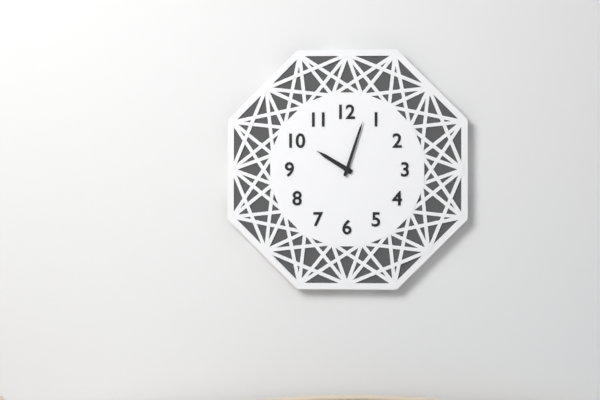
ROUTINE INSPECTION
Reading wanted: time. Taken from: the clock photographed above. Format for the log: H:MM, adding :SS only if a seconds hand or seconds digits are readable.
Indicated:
10:03
